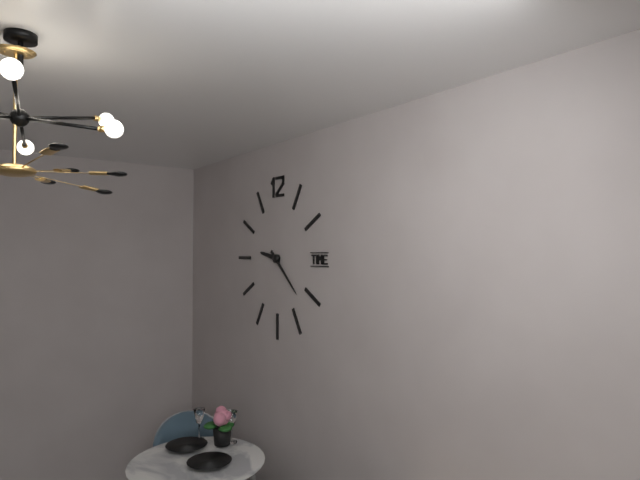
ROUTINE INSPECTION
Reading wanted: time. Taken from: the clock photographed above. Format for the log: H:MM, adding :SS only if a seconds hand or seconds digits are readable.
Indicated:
9:22
